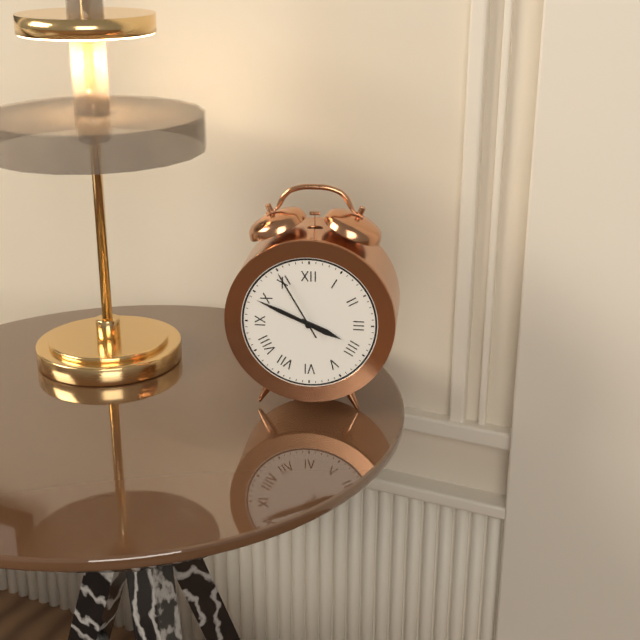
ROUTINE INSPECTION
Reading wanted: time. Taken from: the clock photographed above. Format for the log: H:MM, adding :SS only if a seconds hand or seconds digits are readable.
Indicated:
3:49:55
